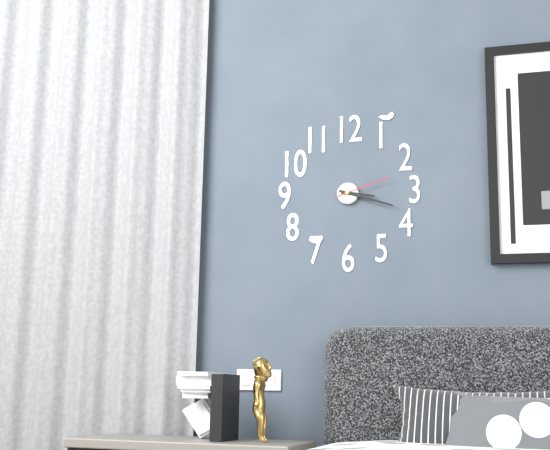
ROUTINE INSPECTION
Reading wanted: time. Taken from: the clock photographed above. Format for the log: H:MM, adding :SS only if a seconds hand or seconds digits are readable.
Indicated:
3:18:12
